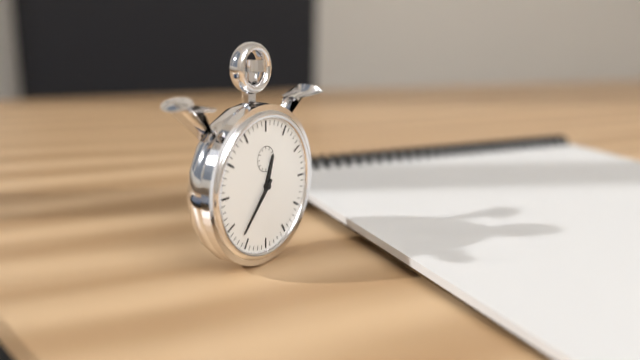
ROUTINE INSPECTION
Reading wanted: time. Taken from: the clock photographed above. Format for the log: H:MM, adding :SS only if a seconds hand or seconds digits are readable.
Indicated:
12:37
